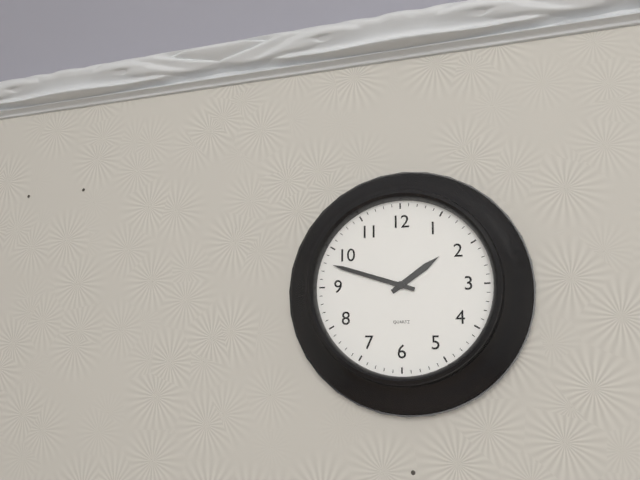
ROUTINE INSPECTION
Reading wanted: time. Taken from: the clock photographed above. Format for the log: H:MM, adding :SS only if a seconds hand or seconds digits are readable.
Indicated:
1:48
